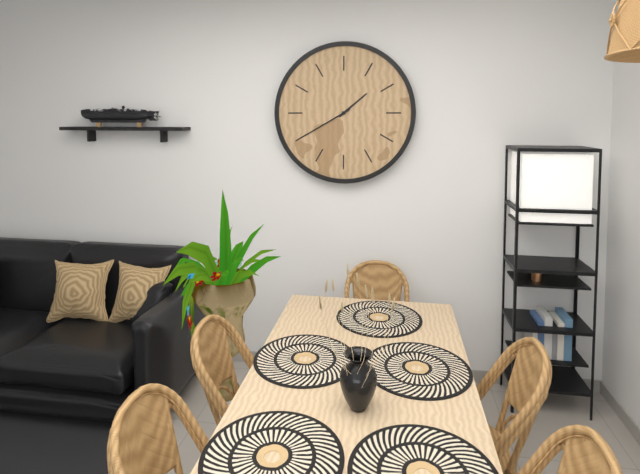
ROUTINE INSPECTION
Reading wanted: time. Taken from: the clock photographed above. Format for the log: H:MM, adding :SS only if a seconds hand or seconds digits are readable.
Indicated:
1:40
